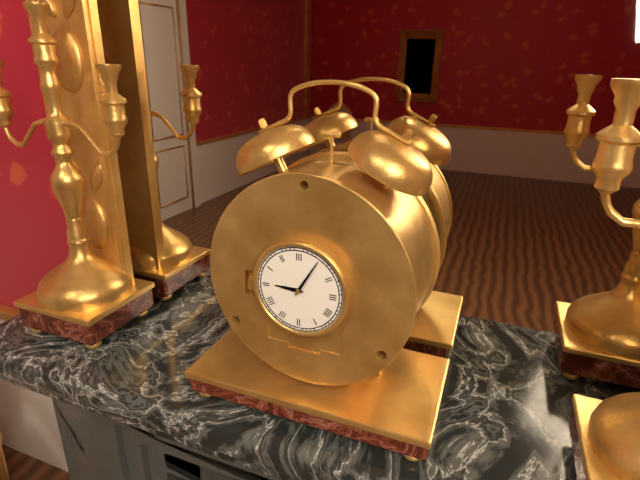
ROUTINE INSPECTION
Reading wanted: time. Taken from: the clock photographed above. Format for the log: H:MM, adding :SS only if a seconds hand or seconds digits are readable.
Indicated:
9:05
